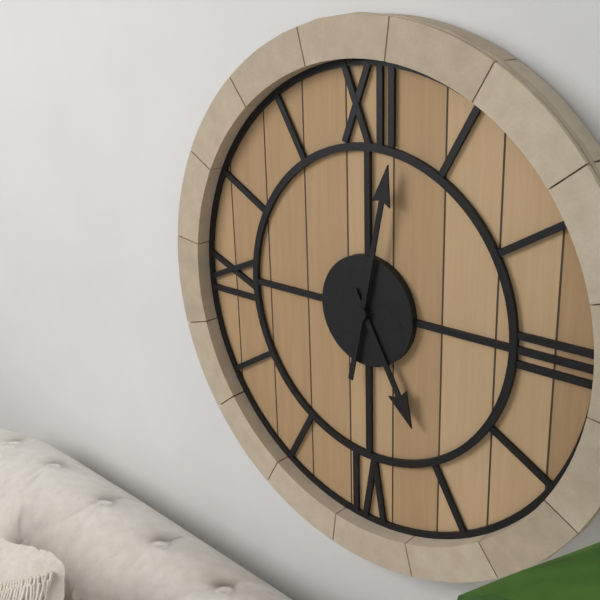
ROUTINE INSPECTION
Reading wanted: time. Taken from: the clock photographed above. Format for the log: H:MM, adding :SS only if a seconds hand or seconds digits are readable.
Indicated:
5:02
